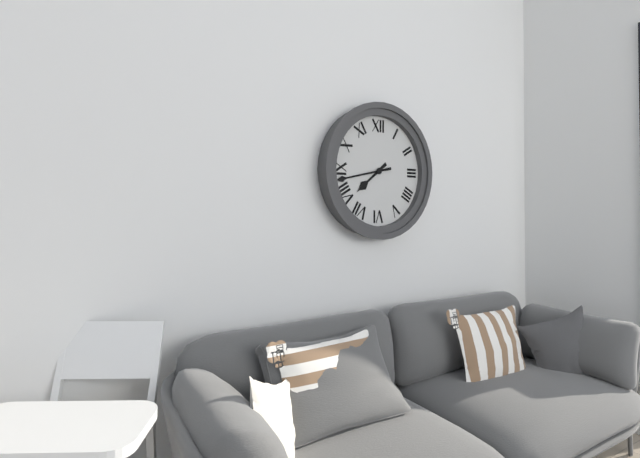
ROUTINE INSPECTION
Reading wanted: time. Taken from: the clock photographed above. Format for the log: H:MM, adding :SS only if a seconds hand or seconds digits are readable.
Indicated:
7:43
